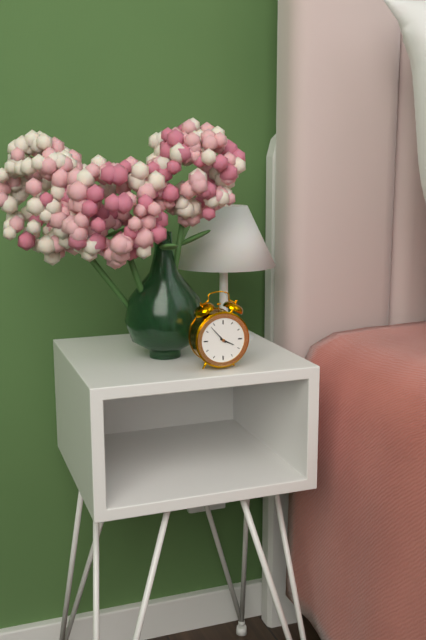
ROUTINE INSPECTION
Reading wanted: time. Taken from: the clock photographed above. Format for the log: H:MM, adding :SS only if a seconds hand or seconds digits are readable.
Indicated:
3:53
